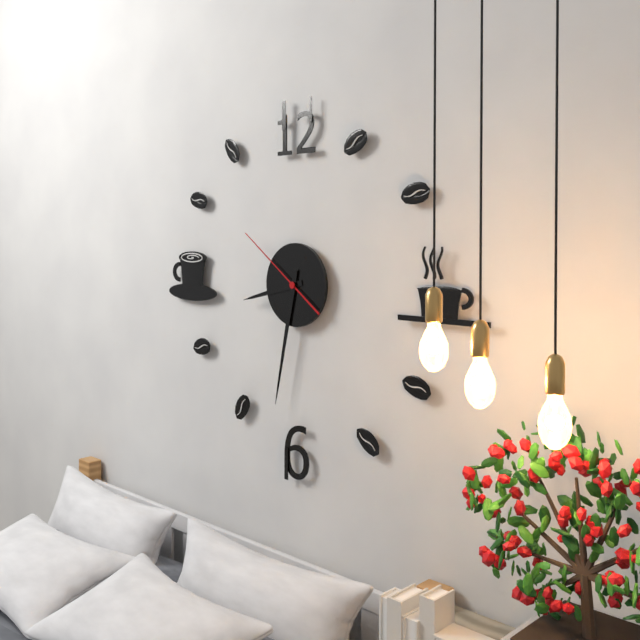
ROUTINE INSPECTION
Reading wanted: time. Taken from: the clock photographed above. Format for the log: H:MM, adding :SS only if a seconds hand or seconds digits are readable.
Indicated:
8:32:51
